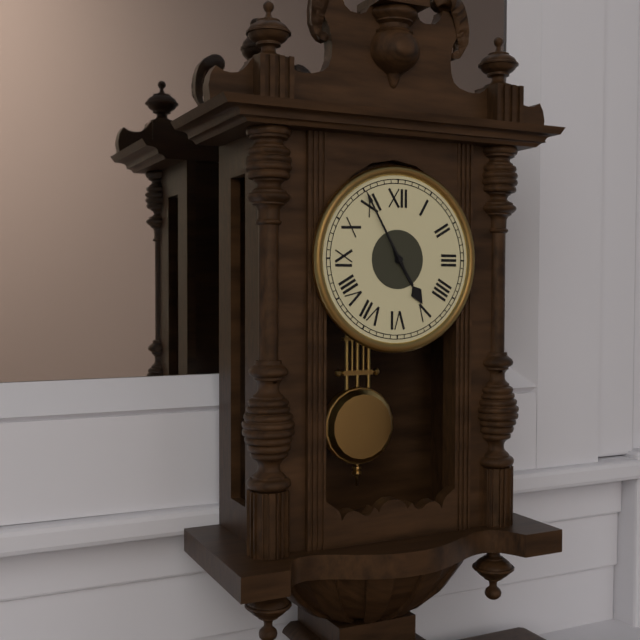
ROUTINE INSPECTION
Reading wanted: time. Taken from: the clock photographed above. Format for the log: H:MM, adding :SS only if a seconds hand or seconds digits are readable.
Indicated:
4:55
